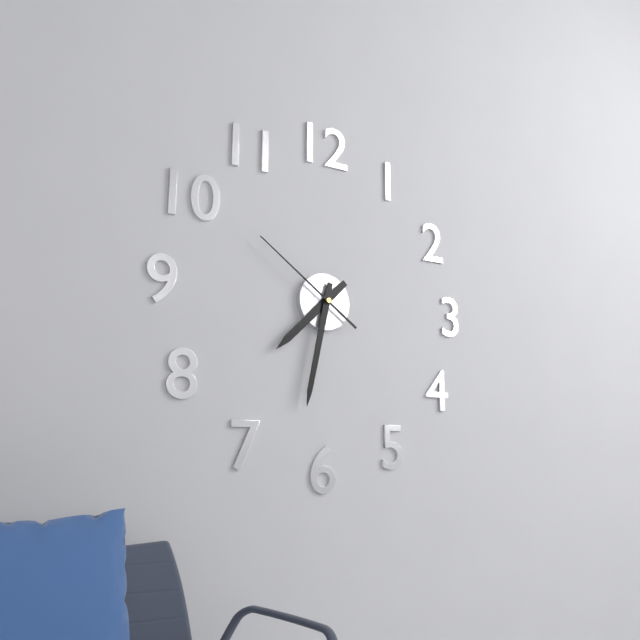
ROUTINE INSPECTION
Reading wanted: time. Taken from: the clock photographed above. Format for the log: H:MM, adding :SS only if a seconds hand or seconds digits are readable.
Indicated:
7:32:51
